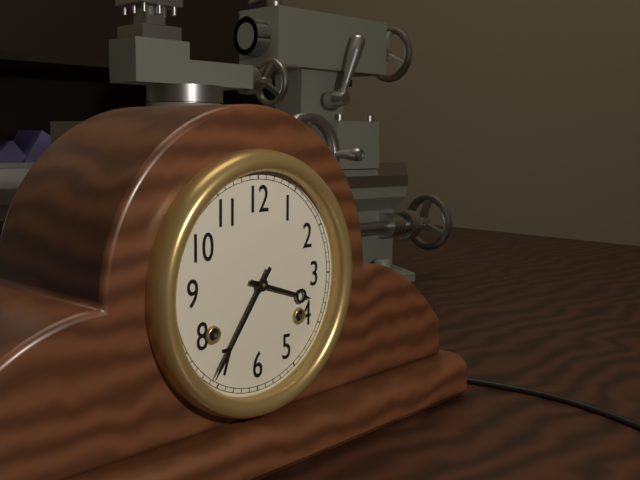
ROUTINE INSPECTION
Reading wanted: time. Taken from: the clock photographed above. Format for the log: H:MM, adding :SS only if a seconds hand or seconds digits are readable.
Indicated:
3:36
